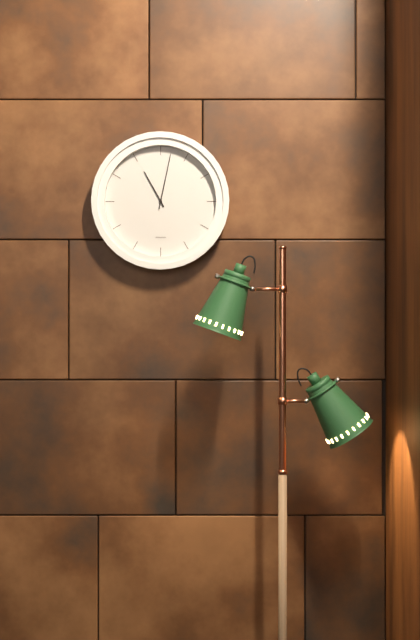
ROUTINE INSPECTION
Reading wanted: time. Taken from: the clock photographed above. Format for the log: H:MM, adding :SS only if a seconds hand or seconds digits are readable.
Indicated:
11:02
